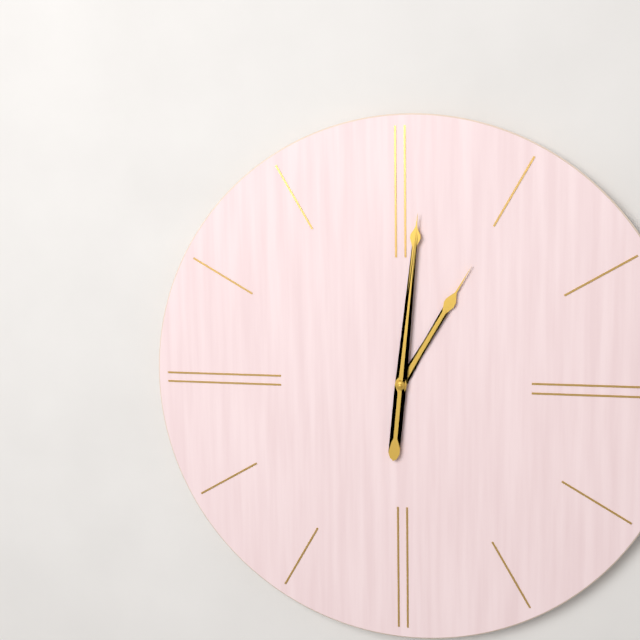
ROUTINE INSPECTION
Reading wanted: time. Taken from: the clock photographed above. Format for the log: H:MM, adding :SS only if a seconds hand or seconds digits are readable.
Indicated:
1:01
